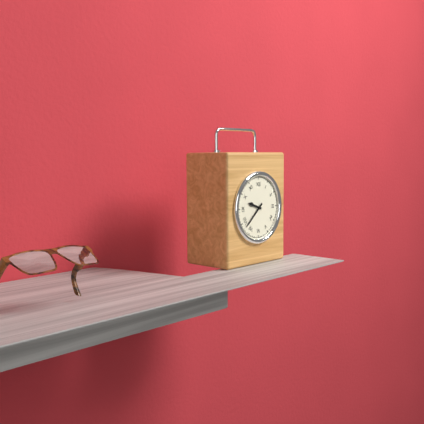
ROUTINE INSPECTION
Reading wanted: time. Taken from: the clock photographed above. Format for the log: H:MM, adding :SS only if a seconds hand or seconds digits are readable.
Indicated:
9:38
